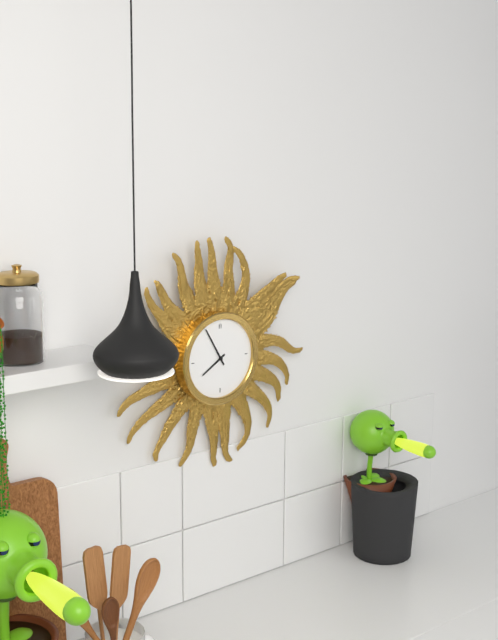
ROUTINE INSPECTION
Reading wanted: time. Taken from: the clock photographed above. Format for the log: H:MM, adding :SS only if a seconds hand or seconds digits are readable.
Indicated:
7:55
